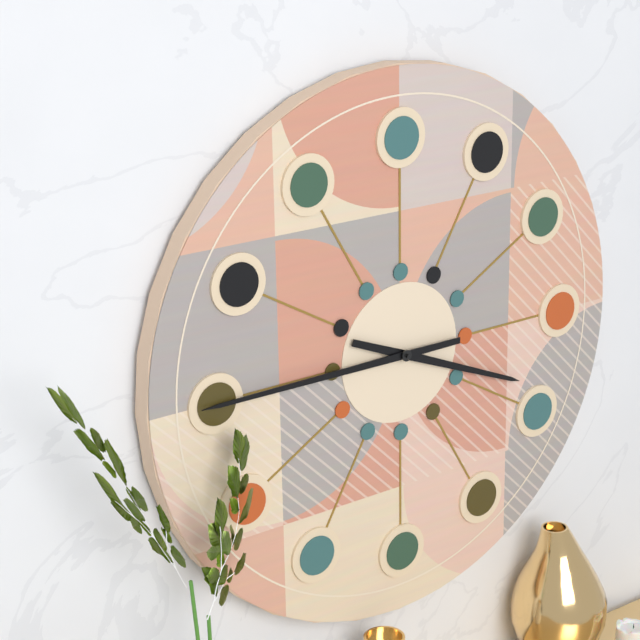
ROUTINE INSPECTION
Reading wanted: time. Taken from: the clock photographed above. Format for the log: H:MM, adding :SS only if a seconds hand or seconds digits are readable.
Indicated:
3:45
